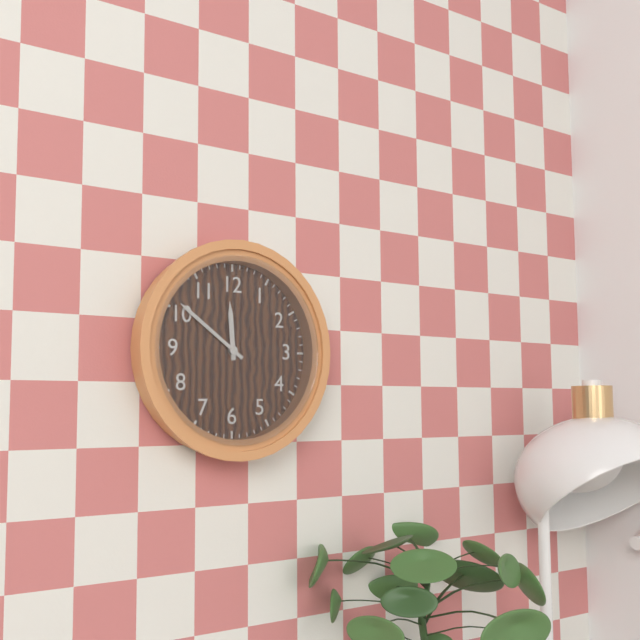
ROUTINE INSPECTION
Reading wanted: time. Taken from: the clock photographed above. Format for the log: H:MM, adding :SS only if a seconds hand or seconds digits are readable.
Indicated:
11:51
